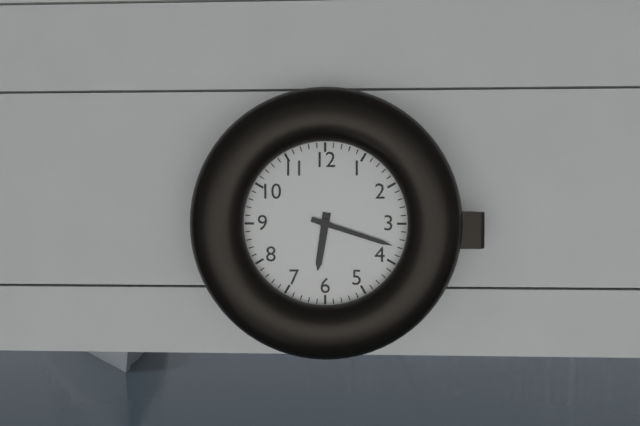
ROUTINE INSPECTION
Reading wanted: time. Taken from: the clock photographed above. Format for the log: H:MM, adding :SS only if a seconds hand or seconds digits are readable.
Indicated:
6:18
